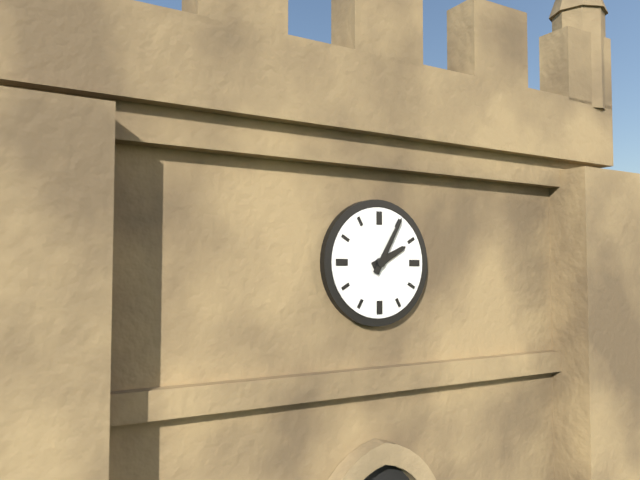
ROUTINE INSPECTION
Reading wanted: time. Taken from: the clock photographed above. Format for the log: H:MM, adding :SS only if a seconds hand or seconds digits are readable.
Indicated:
2:05
